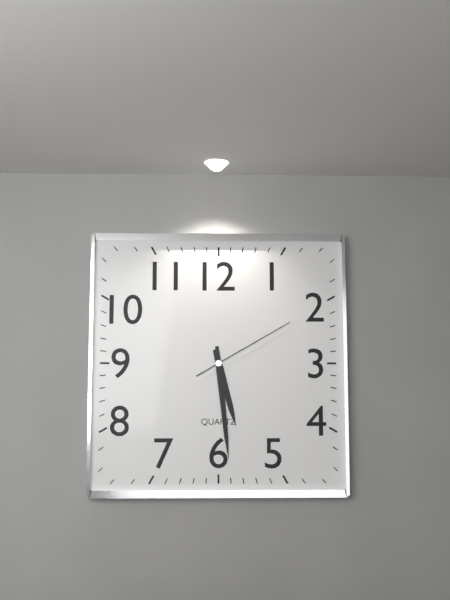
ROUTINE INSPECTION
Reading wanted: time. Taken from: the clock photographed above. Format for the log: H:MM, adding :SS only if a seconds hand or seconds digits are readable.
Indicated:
5:29:10
